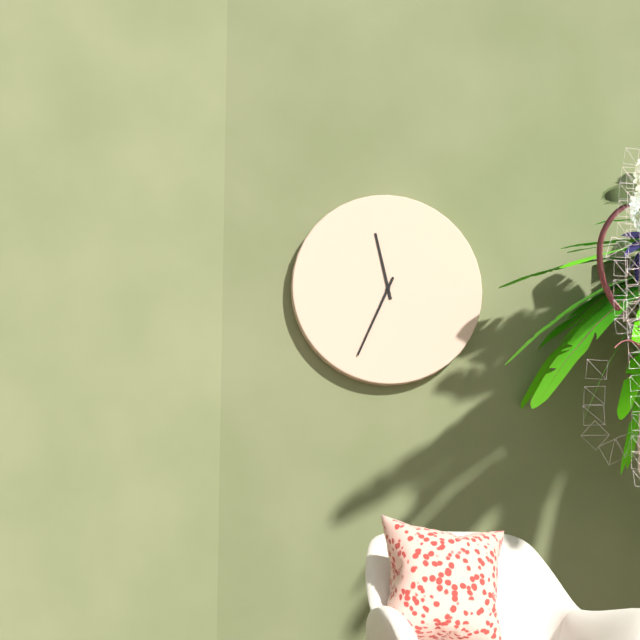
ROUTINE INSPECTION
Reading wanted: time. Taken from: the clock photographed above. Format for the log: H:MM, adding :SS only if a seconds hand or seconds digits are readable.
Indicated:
11:34
